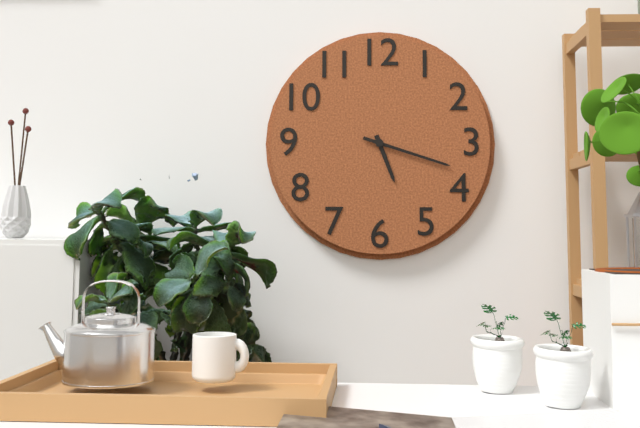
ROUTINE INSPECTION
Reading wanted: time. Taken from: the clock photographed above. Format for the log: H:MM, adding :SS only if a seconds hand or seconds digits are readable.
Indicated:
5:18
